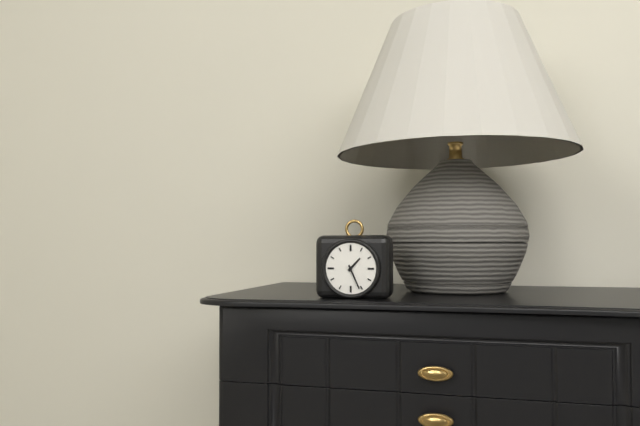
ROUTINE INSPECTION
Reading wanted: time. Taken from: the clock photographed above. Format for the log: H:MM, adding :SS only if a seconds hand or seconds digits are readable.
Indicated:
1:26
